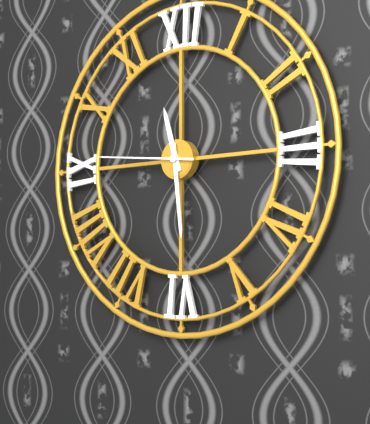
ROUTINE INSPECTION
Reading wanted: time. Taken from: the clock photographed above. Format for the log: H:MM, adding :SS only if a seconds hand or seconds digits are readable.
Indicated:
11:29:46
